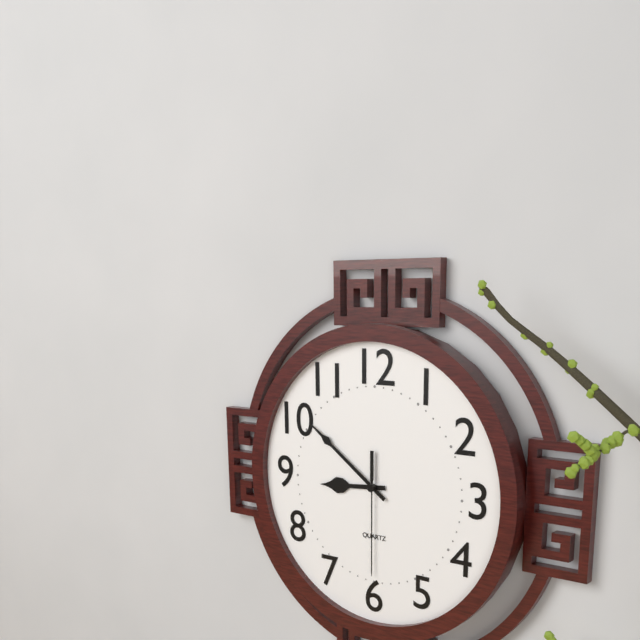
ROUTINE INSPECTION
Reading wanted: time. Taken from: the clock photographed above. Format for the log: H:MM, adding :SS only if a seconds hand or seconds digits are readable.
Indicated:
8:51:30
